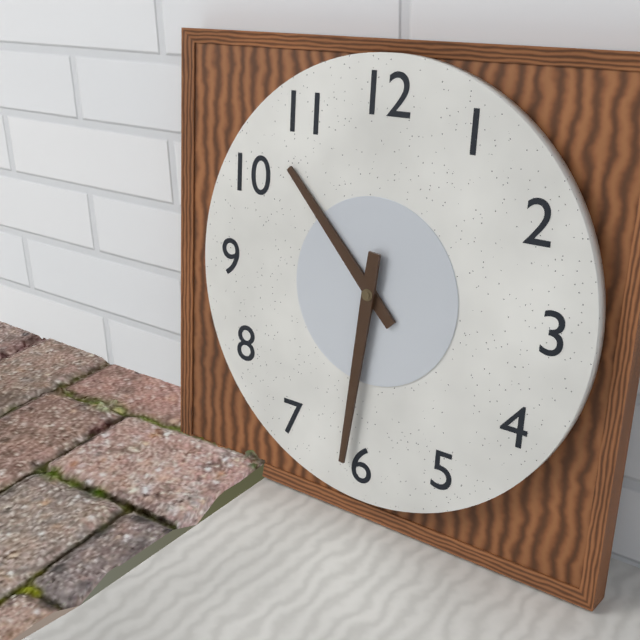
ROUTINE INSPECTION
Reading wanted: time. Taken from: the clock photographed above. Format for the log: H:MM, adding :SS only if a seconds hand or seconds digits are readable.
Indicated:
10:31
